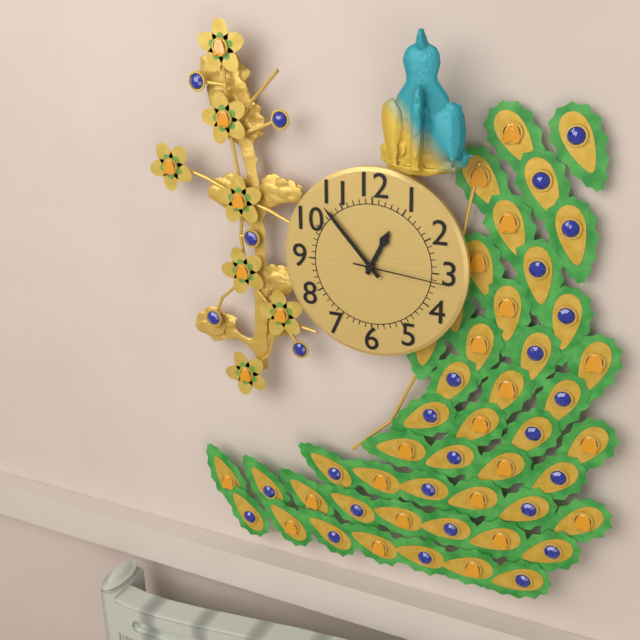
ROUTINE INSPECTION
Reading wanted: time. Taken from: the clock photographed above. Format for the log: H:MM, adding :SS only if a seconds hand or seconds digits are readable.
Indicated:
12:53:16
